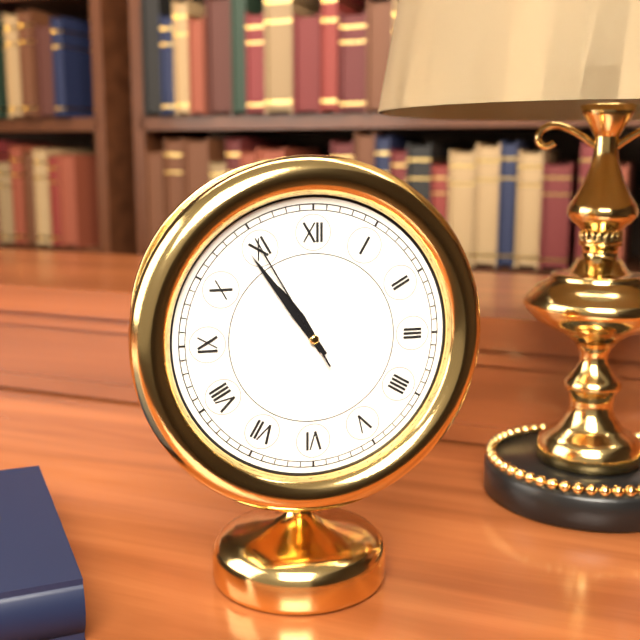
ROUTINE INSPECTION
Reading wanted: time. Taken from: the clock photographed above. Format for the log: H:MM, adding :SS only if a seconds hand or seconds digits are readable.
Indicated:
10:54:55
